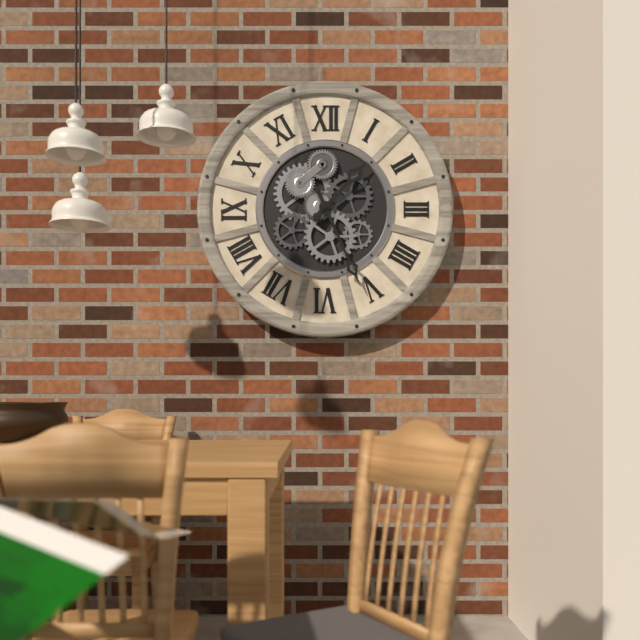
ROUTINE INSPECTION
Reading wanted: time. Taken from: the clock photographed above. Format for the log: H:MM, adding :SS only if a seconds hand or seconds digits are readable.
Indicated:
1:26
